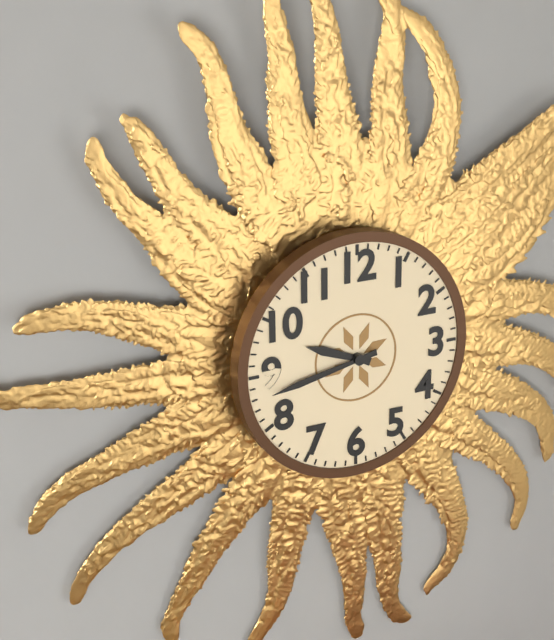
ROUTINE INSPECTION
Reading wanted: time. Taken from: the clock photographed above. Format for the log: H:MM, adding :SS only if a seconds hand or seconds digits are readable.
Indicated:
9:43
